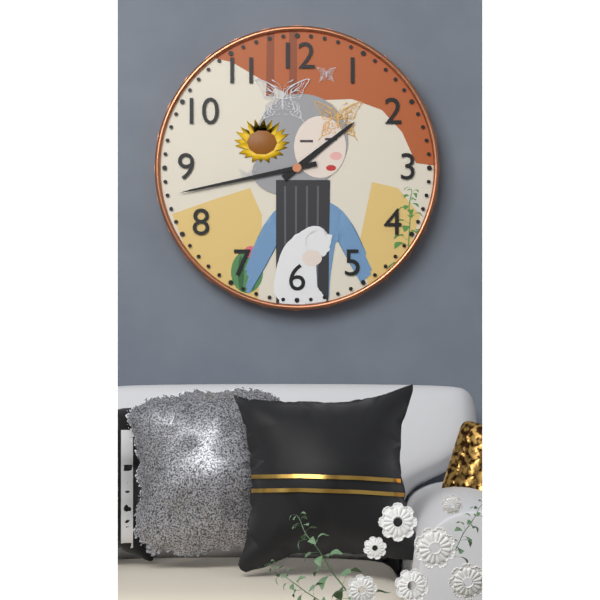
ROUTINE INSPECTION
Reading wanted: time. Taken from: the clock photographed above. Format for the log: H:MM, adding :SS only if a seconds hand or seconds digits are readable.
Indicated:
1:43
